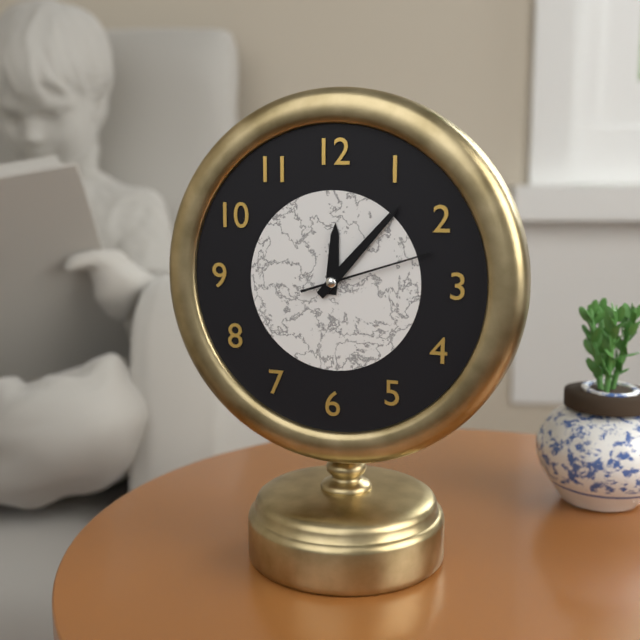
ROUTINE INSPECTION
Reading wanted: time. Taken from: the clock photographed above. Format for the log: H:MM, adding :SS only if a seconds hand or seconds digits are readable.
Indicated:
12:07:12
